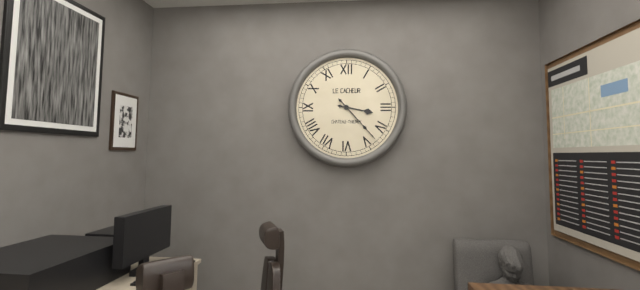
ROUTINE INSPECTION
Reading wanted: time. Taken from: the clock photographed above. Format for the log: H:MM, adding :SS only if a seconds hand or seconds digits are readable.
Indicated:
3:23
